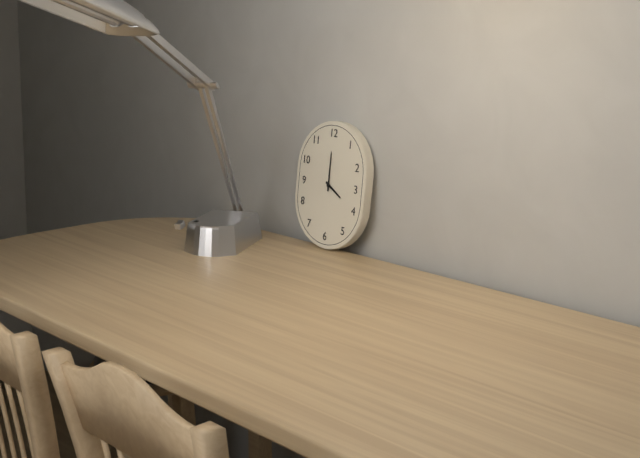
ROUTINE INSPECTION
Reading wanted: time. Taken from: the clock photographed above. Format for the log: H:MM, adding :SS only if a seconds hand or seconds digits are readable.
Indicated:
4:00
